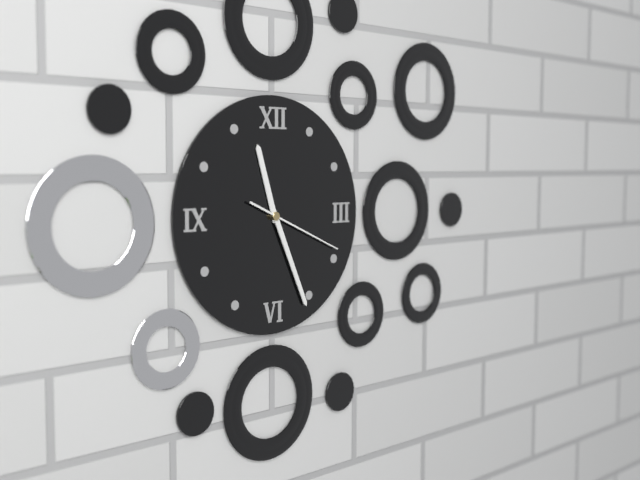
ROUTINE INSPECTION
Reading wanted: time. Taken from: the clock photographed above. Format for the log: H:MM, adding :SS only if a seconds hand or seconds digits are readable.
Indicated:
11:26:19
